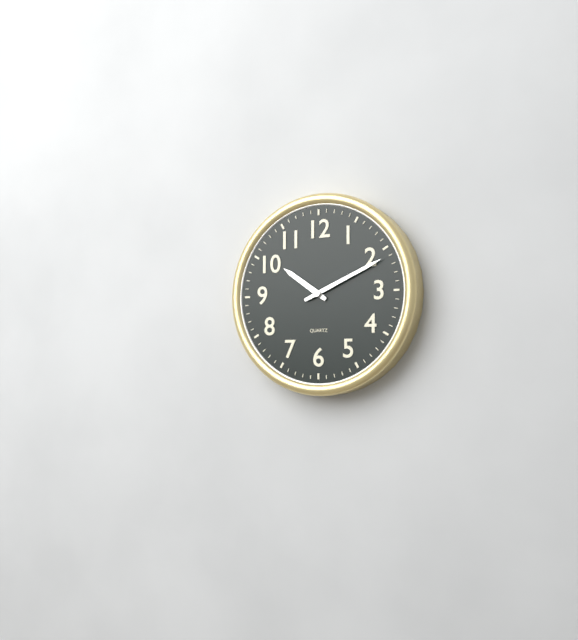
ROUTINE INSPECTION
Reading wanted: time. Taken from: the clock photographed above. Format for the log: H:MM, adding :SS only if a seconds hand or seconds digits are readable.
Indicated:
10:11
